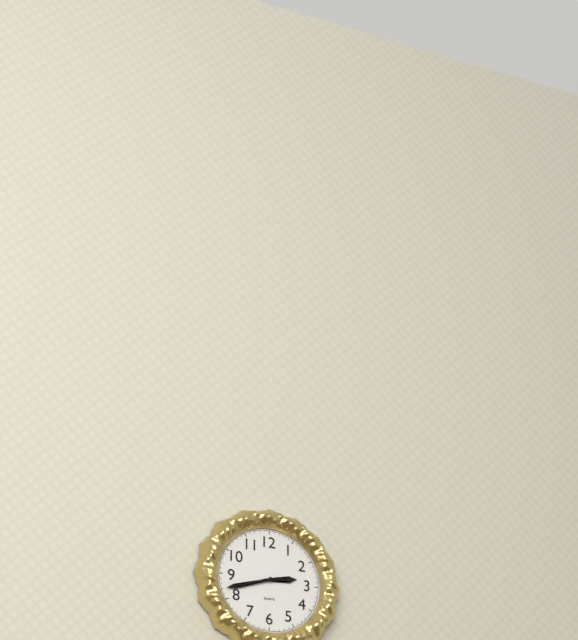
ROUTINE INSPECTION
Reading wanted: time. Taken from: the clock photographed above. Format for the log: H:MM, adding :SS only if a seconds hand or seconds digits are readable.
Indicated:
2:42
